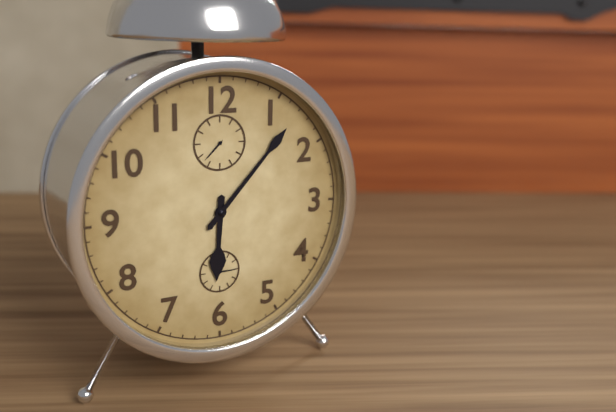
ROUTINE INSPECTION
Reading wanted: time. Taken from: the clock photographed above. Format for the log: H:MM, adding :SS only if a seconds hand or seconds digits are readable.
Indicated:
6:07
